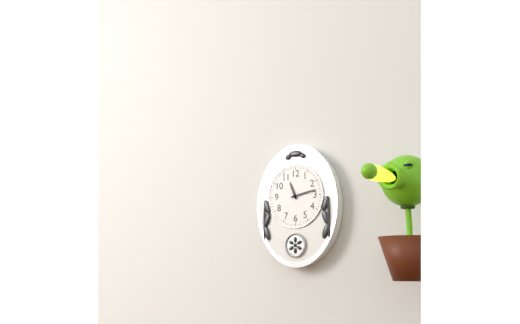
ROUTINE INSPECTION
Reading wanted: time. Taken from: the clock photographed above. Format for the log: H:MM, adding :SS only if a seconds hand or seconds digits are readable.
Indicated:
11:13
